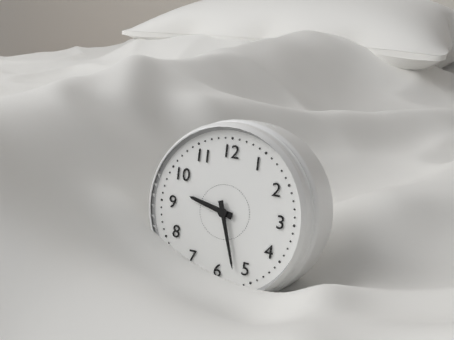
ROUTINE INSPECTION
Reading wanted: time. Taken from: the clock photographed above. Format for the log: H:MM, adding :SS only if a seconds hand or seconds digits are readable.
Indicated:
9:27
